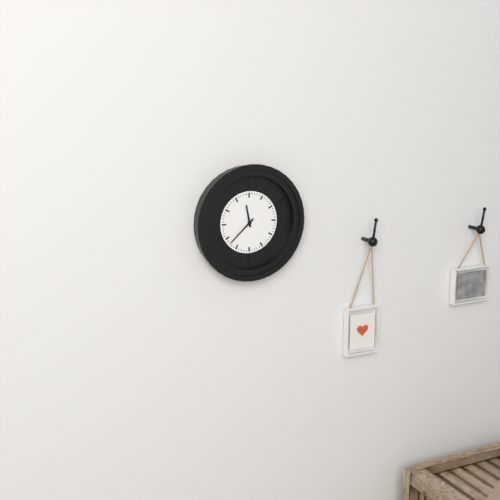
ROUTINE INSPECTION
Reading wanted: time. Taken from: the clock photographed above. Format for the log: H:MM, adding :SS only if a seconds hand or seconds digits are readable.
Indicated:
11:38
